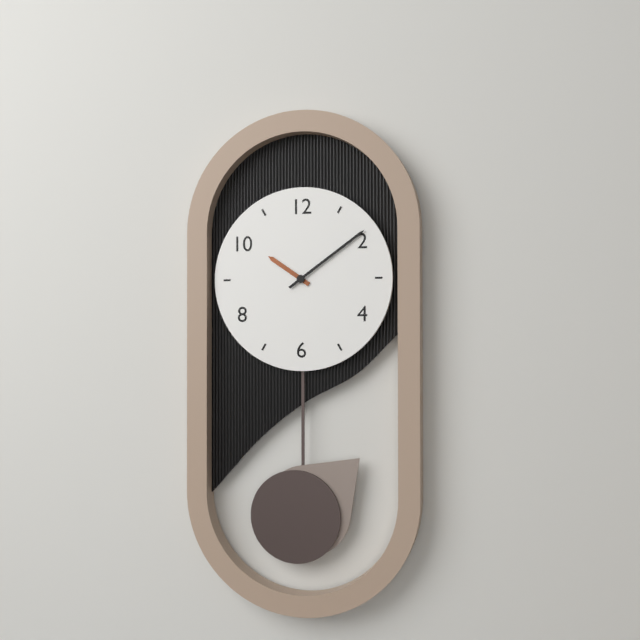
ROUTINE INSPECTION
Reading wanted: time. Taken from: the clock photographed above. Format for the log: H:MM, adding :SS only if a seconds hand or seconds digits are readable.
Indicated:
10:09
